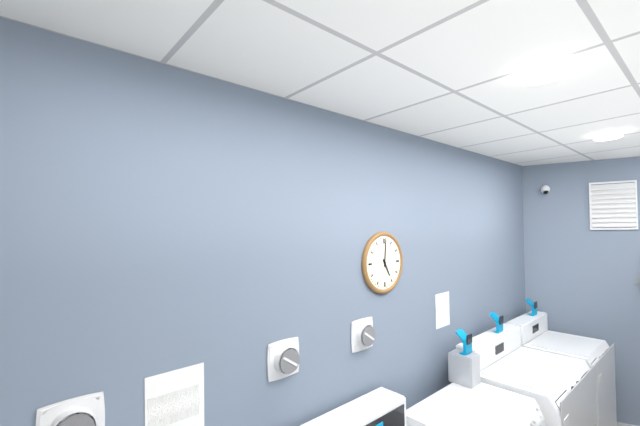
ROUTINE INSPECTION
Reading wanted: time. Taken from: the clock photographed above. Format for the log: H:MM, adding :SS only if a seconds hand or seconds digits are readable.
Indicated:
5:01
